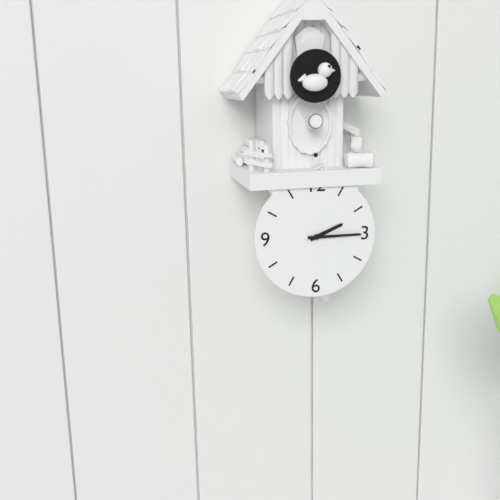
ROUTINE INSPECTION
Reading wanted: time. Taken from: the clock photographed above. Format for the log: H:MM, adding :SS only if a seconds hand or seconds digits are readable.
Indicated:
2:15
